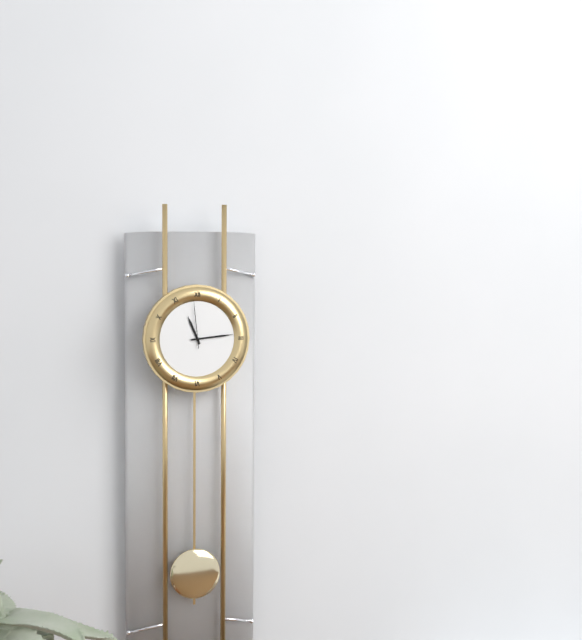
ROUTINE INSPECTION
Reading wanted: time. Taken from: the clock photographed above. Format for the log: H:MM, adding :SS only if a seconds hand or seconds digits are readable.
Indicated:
11:14:59
